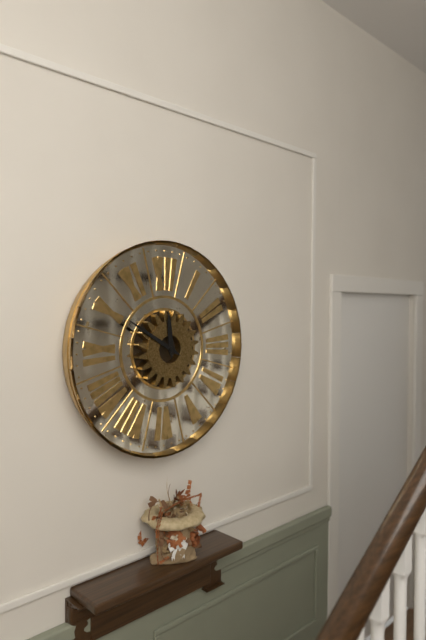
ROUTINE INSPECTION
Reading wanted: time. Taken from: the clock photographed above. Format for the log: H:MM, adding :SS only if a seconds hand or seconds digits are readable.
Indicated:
11:50
